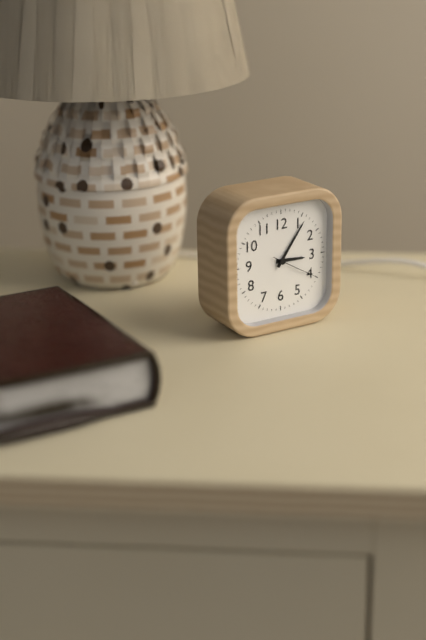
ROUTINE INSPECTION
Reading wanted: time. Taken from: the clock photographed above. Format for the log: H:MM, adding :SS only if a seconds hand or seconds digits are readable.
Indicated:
3:06
